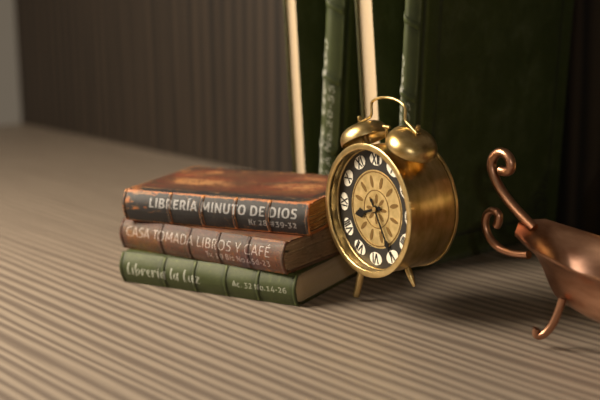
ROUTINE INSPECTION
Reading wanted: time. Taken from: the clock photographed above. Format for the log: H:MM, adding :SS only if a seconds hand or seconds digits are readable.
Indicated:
8:25
